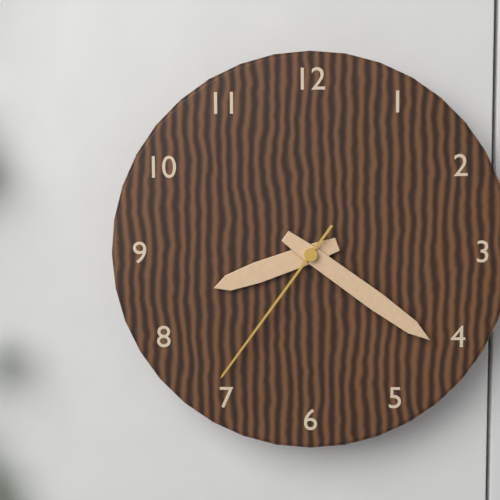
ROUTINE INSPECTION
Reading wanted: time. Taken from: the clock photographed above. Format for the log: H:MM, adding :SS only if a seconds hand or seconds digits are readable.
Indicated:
8:21:36
